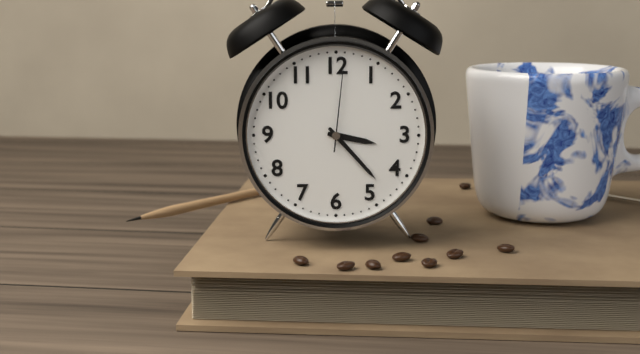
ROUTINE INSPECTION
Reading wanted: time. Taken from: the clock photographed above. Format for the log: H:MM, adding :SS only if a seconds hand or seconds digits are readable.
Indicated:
3:23:01
